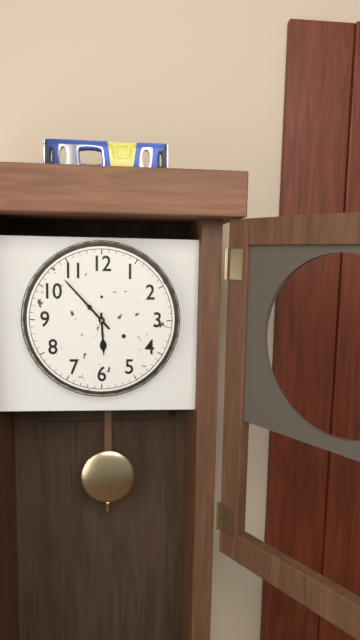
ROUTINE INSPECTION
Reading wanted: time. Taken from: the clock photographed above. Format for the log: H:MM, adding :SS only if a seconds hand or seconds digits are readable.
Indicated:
5:53
